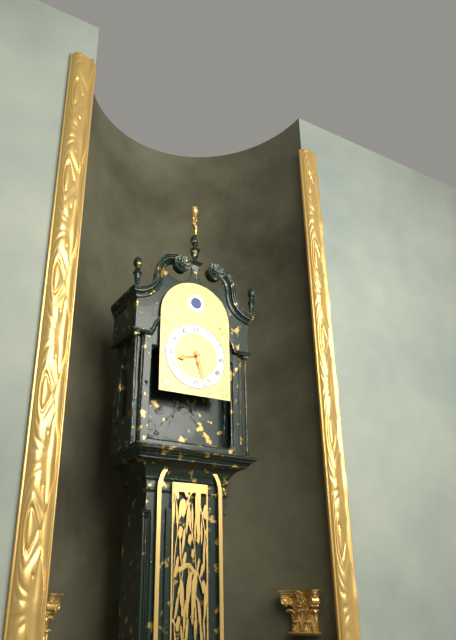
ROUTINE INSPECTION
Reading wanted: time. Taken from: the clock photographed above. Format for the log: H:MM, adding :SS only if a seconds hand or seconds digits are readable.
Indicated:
8:27
